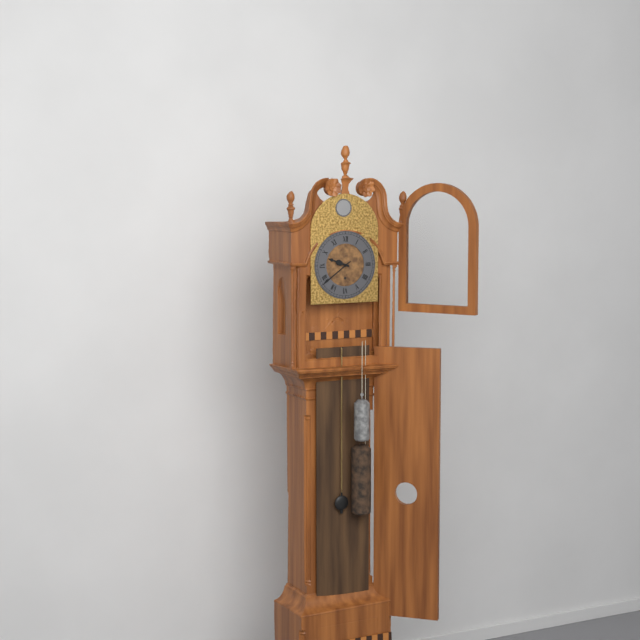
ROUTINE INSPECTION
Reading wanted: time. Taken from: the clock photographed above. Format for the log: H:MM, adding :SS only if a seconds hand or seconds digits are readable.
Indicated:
9:39
